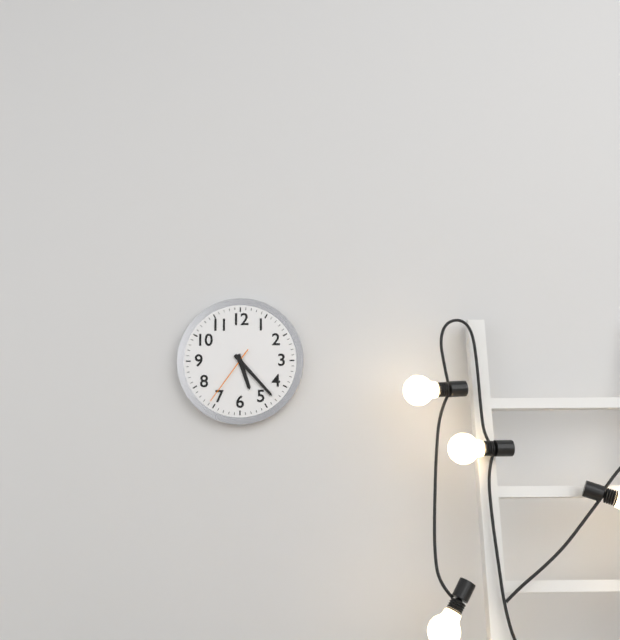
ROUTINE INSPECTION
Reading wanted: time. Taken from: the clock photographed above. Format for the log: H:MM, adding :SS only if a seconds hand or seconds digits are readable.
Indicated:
5:23:36
